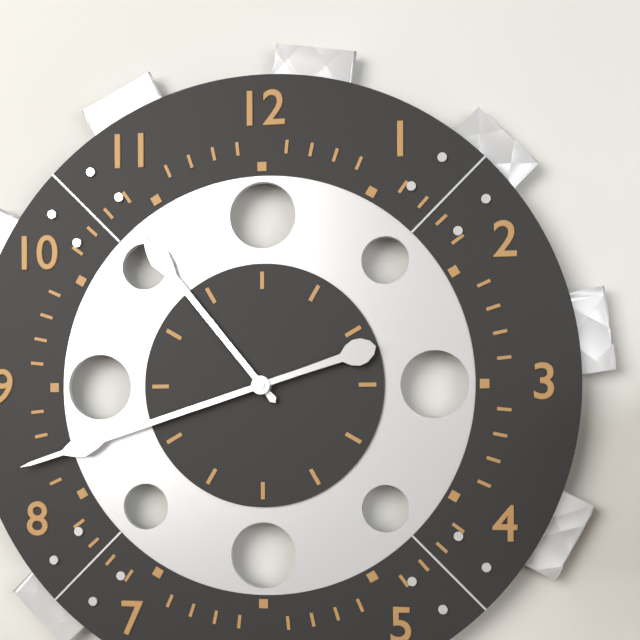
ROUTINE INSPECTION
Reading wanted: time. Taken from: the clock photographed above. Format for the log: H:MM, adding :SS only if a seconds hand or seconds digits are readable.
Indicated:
10:42
